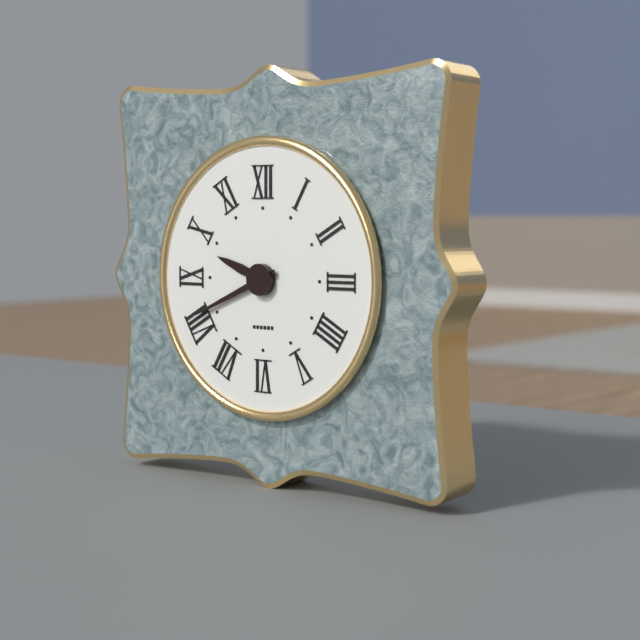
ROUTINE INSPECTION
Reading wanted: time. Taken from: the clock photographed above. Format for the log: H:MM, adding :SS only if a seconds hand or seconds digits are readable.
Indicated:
9:41
